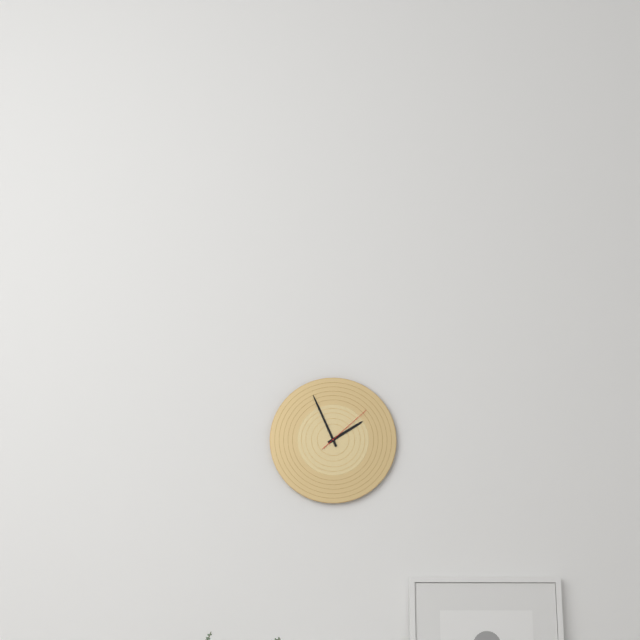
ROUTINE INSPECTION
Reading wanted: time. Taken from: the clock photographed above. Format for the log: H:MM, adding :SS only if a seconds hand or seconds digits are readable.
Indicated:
1:56:08
